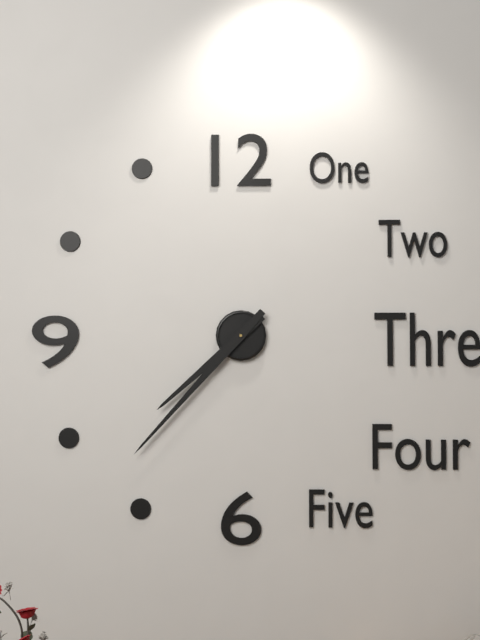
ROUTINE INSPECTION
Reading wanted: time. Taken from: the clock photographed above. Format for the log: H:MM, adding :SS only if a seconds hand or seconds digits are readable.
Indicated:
7:37
